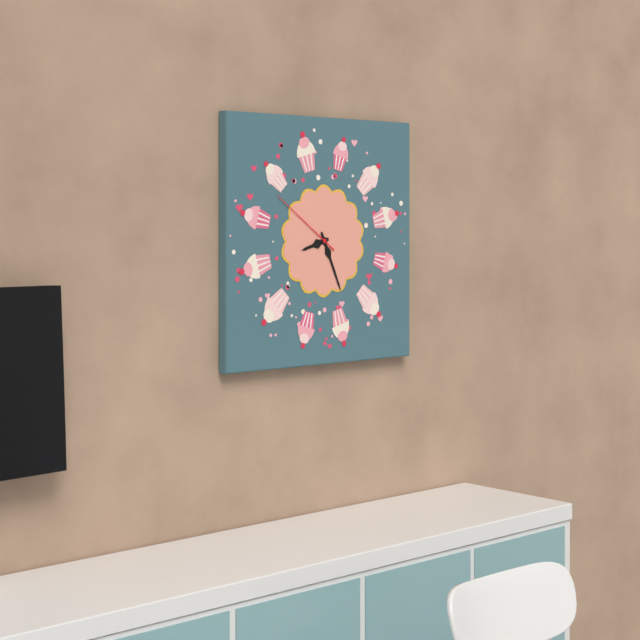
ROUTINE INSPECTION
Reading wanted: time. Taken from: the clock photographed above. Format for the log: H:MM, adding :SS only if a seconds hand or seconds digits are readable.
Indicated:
8:26:51
